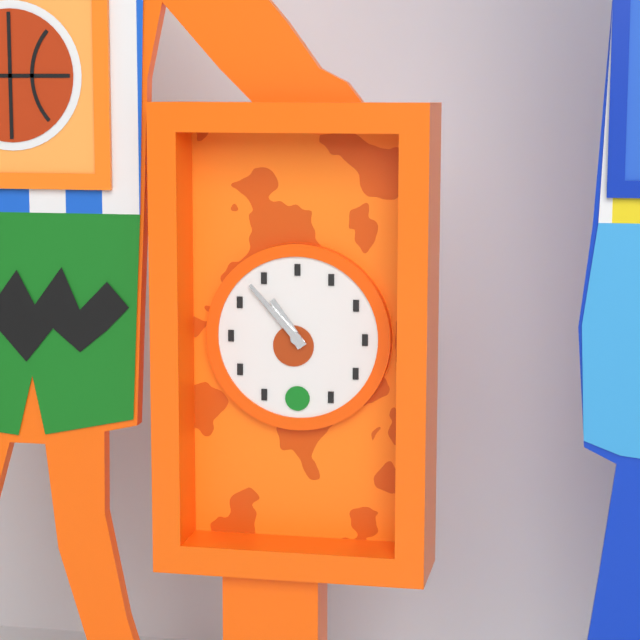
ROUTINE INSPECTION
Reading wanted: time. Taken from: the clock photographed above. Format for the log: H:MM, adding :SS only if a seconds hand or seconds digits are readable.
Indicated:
10:53
